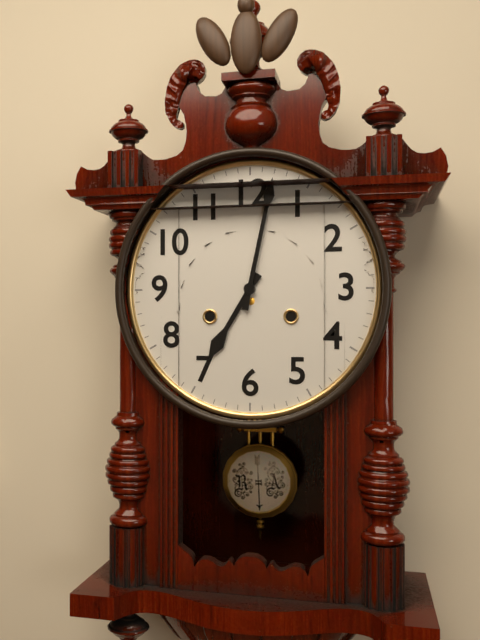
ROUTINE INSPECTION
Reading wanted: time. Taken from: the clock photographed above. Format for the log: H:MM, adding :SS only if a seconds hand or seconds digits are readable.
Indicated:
7:02
